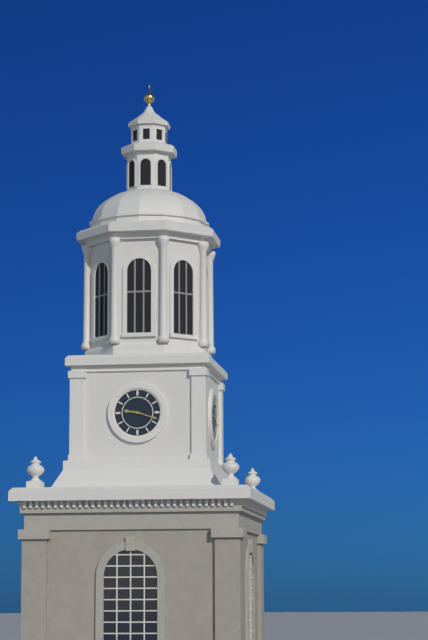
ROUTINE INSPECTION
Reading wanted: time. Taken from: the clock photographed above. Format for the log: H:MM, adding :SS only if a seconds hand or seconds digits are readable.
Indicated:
9:18
